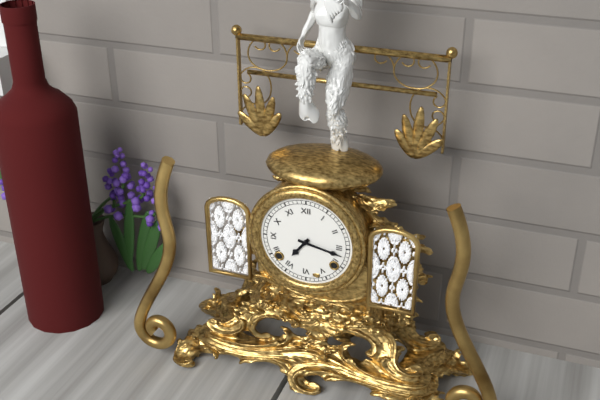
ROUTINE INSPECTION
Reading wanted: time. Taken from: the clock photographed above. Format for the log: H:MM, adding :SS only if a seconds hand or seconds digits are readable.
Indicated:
7:17
